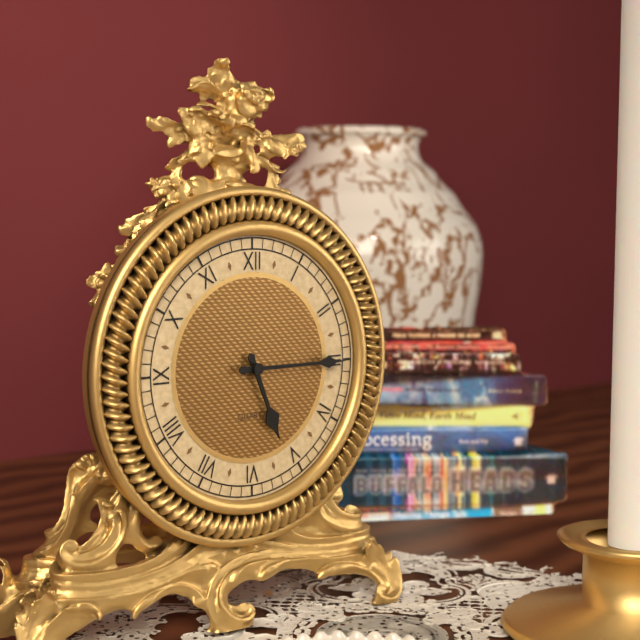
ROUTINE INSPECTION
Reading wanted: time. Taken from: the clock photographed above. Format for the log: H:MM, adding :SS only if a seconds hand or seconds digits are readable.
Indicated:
5:15
